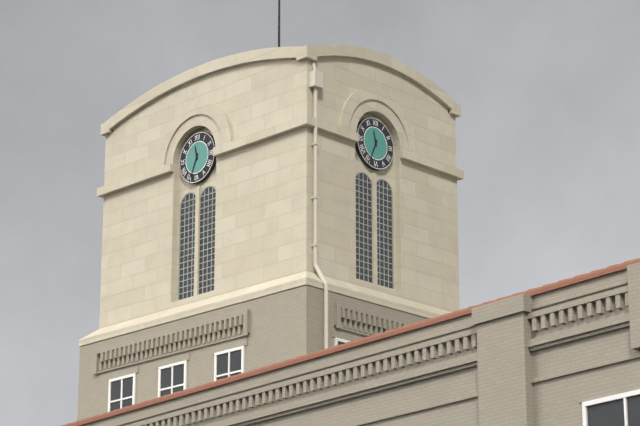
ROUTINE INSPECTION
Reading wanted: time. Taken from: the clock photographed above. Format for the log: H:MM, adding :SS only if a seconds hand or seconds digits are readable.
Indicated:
11:34
